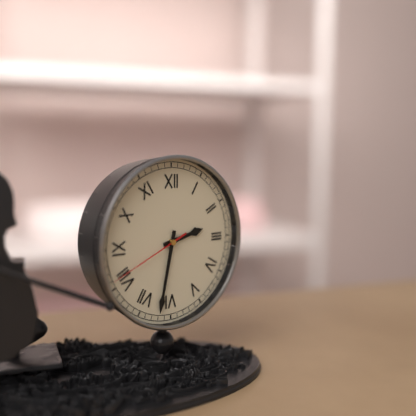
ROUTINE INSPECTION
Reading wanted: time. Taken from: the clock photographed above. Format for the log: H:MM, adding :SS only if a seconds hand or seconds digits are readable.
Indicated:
2:32:41
